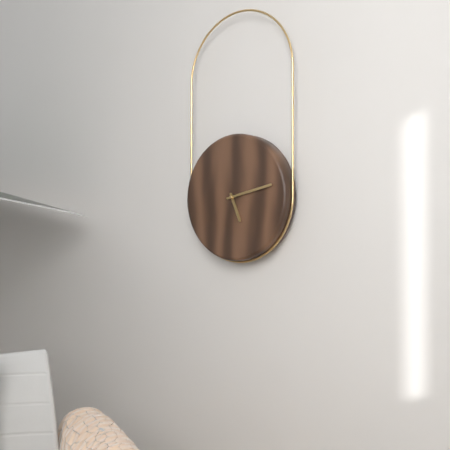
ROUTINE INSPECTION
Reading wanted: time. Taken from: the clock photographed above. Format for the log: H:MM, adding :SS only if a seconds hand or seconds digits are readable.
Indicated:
5:13
